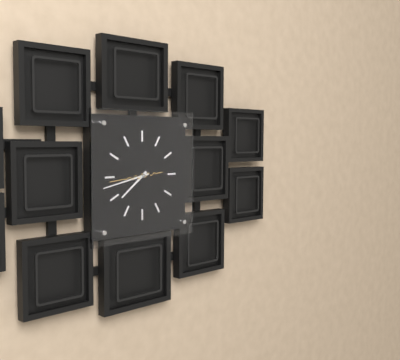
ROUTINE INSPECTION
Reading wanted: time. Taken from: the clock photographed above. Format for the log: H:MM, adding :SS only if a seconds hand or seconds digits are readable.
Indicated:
7:43
